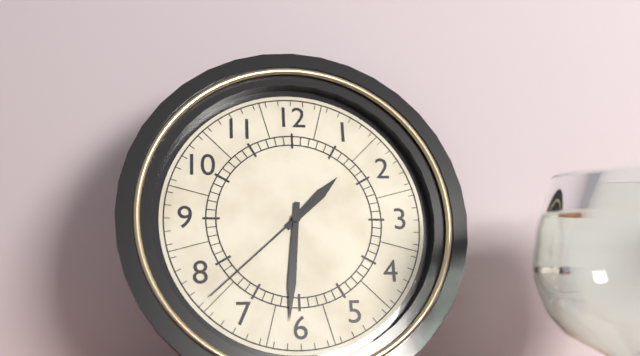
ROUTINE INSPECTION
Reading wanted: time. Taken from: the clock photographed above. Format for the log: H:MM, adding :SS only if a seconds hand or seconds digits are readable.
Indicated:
1:31:38
